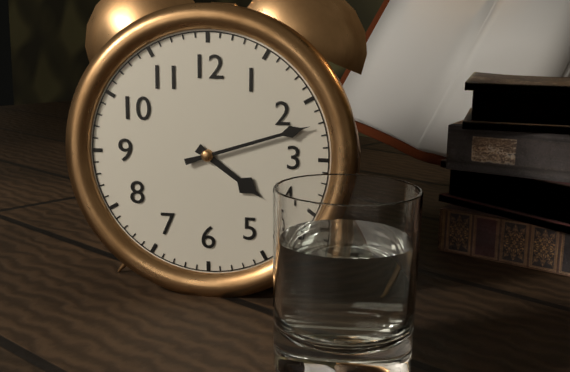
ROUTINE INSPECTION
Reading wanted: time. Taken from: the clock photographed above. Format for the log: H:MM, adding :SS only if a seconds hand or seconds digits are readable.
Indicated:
4:12
